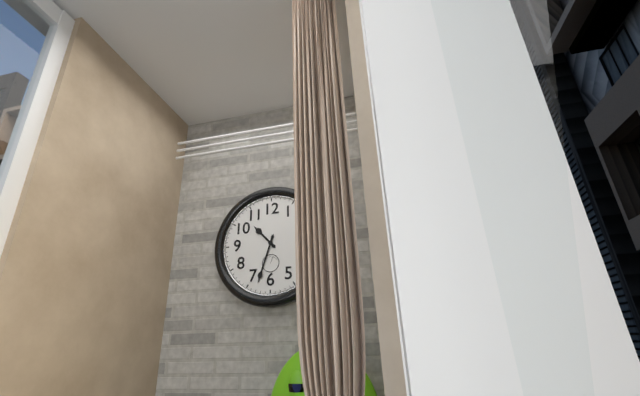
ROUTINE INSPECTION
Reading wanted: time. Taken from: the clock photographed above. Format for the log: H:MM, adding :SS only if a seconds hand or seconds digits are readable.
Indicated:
10:33
